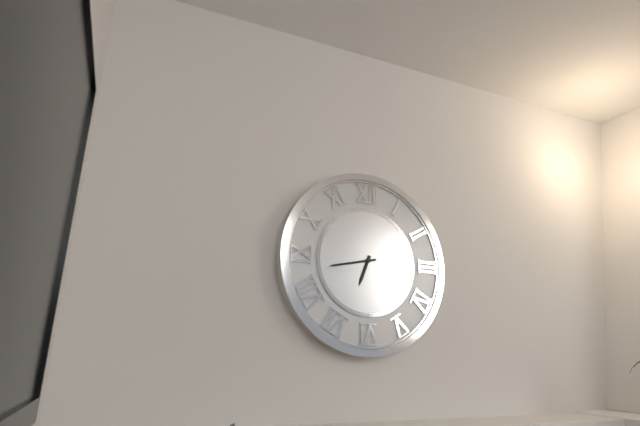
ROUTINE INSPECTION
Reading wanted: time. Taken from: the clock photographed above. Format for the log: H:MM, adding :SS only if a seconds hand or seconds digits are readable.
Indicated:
6:43
